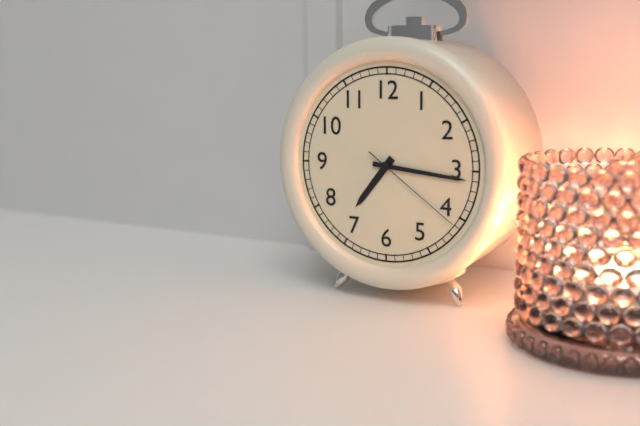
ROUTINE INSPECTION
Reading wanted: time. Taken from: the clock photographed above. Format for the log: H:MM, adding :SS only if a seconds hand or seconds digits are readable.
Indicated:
7:16:21
